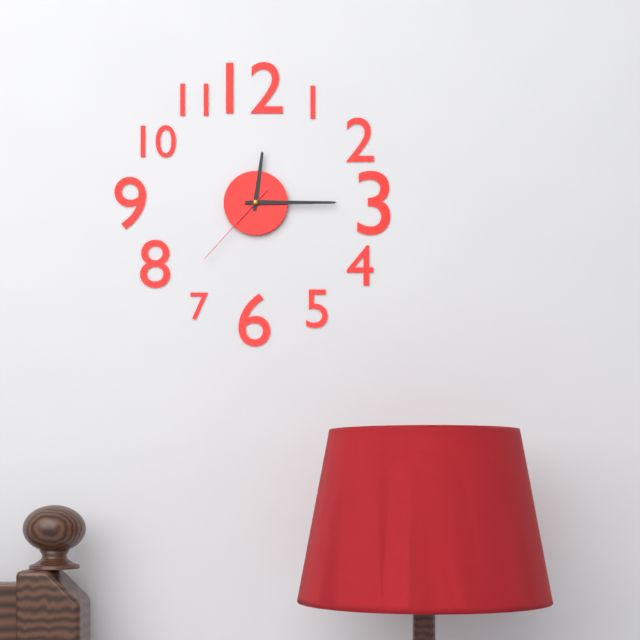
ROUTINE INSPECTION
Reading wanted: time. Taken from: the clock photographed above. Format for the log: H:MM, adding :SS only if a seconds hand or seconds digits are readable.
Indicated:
12:15:37
